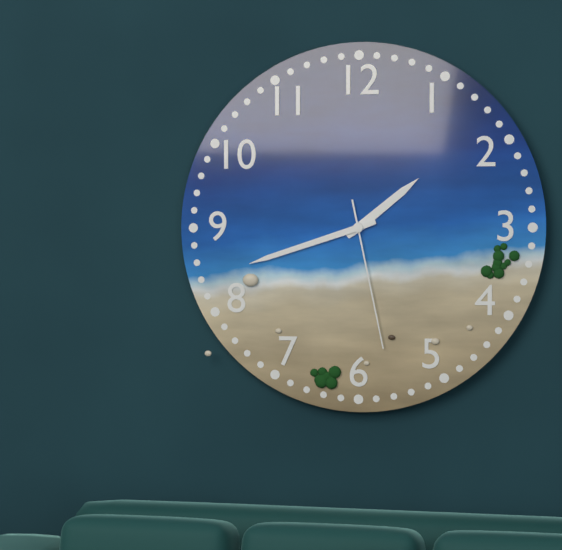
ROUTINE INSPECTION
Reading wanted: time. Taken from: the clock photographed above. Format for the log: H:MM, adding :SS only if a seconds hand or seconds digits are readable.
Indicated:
1:42:28
